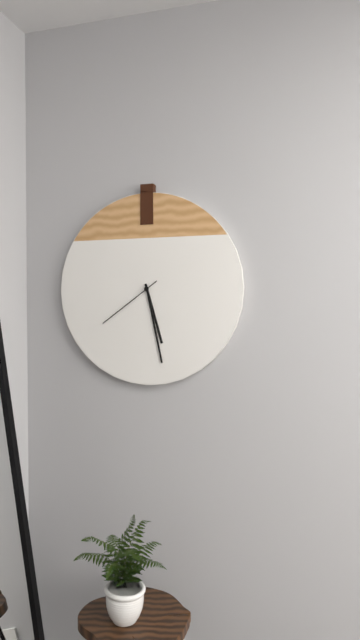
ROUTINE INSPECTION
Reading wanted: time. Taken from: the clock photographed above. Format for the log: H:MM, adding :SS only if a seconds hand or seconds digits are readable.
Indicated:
5:28:39
